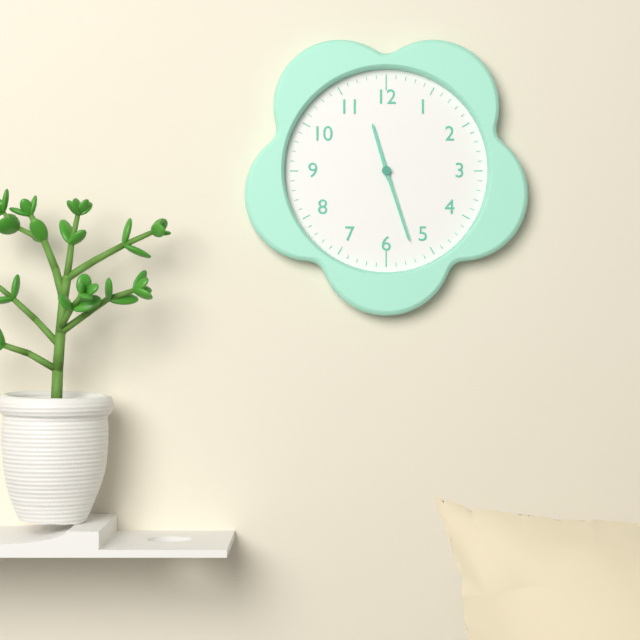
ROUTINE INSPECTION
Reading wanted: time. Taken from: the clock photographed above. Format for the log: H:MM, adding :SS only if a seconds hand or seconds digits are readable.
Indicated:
11:27
